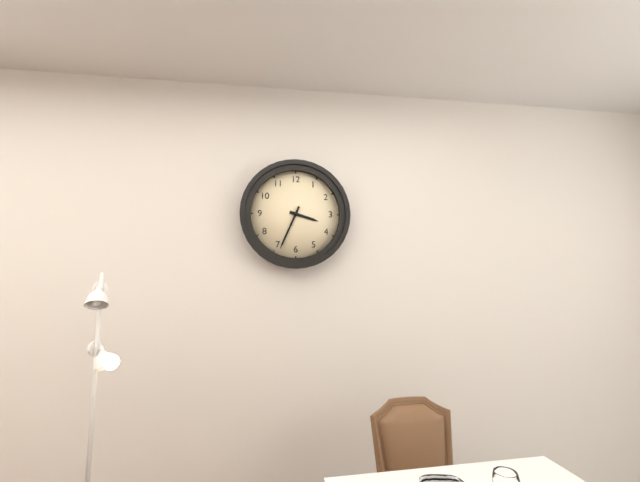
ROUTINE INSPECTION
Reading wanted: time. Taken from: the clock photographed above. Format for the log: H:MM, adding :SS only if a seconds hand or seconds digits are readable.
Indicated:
3:34
